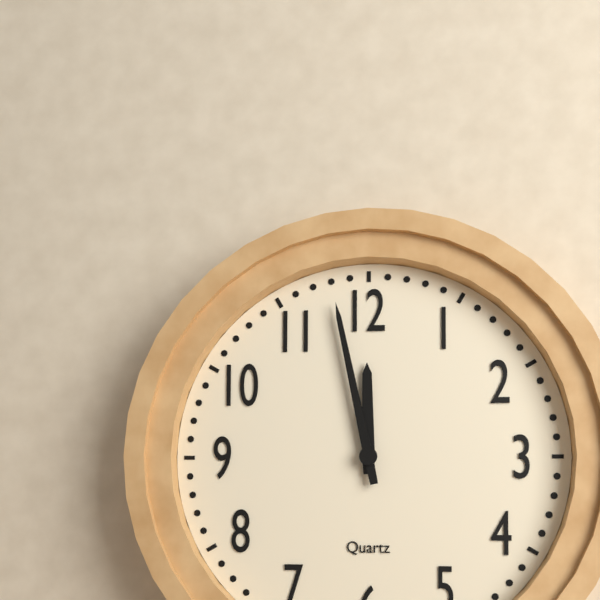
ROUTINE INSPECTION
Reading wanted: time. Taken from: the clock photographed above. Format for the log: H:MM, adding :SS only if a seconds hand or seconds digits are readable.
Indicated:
11:58
